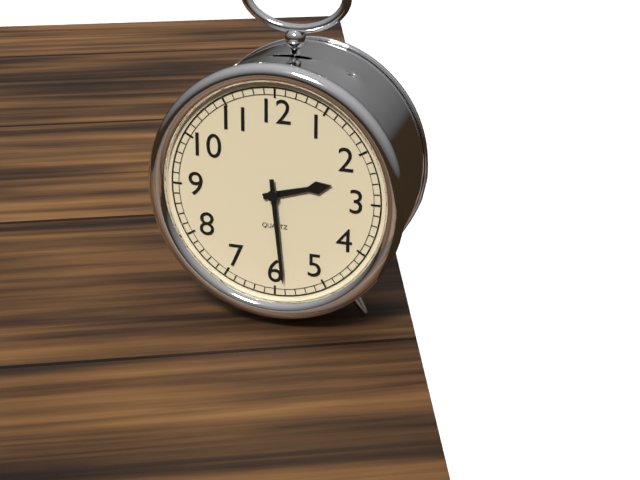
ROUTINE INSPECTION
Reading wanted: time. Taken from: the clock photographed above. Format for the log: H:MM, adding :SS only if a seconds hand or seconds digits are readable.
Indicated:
2:29
